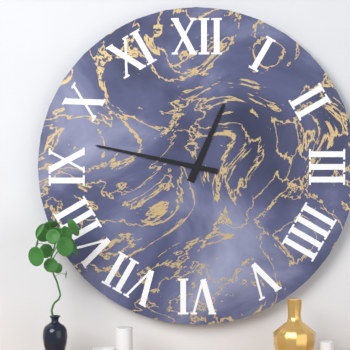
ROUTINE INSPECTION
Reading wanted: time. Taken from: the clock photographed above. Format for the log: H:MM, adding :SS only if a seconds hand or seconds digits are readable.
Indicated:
12:47
